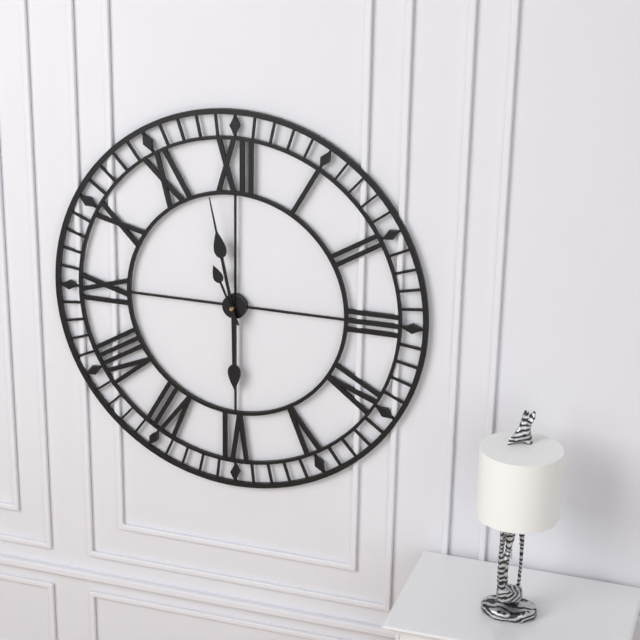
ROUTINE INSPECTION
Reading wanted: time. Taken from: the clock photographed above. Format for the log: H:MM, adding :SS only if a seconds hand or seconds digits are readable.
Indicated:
5:58:56
